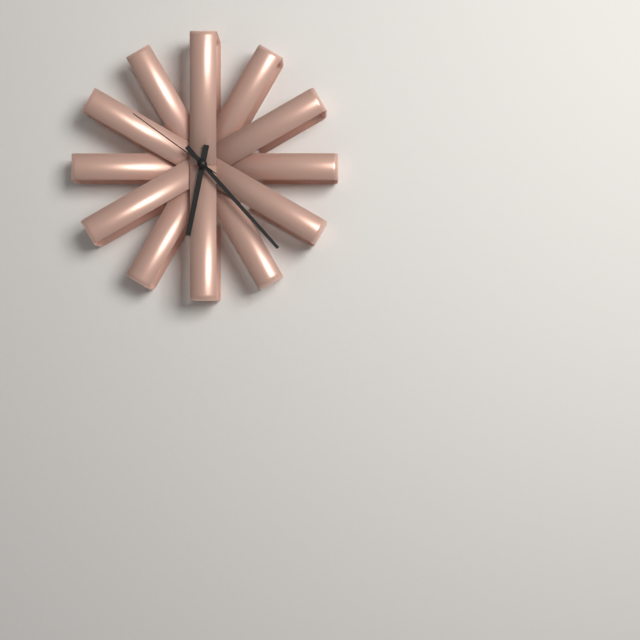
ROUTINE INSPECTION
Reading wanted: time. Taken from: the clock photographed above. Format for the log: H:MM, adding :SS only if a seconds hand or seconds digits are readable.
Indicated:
6:23:51
